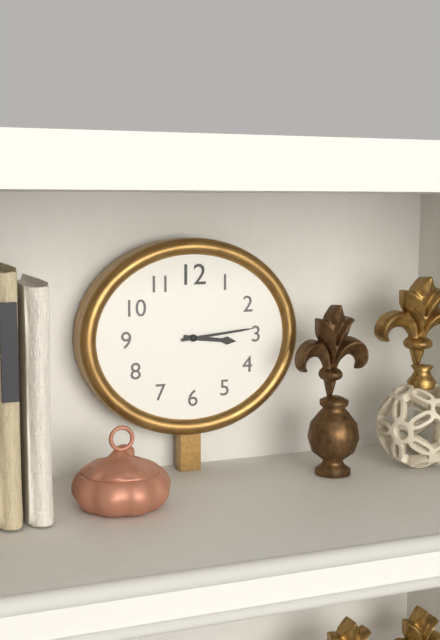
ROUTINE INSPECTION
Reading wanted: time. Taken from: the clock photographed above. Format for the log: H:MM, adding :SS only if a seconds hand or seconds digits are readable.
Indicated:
3:14
